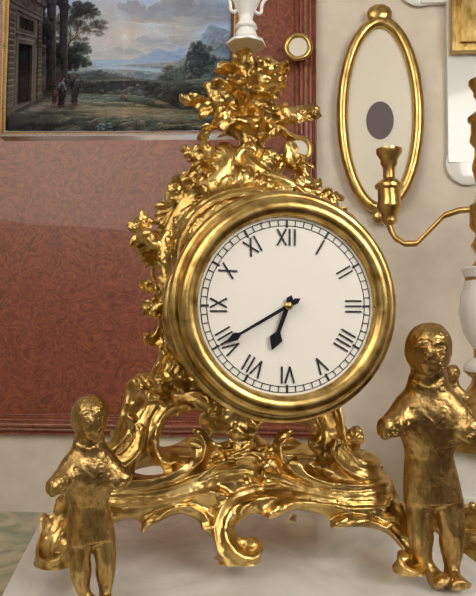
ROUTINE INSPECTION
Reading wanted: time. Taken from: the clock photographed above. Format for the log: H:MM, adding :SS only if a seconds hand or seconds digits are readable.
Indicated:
6:40
